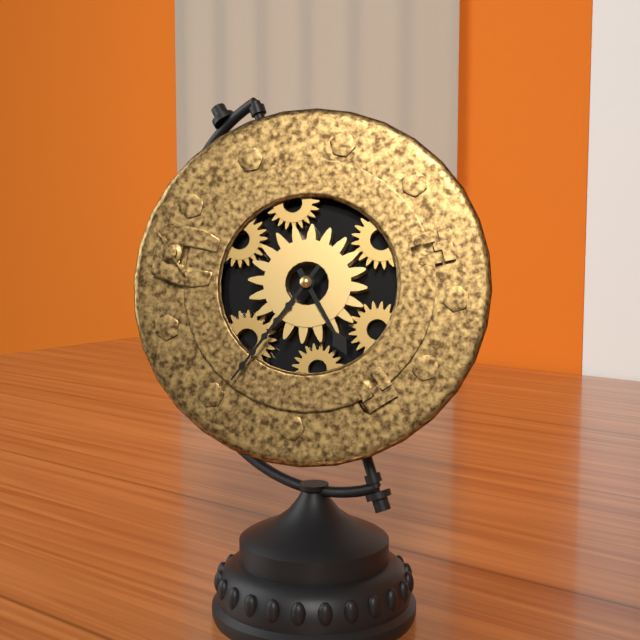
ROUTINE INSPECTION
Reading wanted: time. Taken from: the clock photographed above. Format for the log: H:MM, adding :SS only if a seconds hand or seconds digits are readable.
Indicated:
4:34
